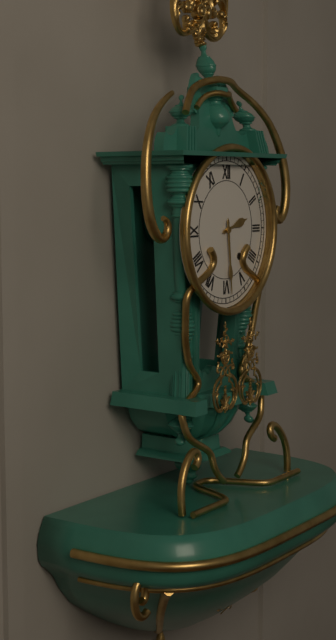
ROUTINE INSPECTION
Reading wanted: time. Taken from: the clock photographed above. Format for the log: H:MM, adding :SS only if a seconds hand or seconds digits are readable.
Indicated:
2:29
